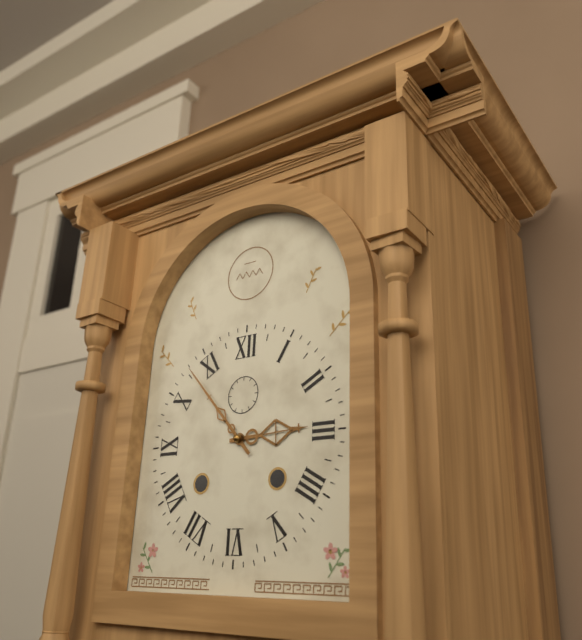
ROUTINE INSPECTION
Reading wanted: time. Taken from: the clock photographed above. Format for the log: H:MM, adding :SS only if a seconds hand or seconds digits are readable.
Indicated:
2:53
